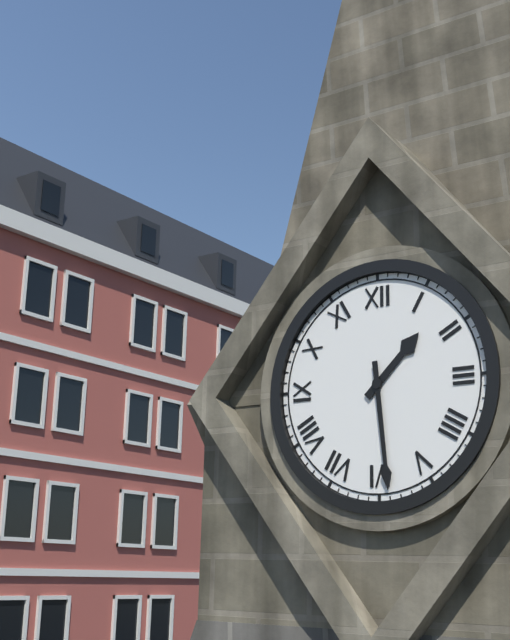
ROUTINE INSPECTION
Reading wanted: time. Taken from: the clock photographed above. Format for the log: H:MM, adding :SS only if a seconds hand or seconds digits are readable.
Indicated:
1:29
